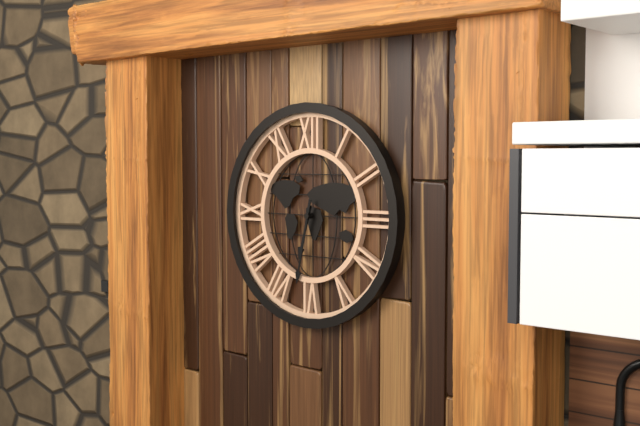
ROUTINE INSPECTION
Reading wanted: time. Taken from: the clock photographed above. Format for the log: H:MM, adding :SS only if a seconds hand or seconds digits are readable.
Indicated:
6:32
